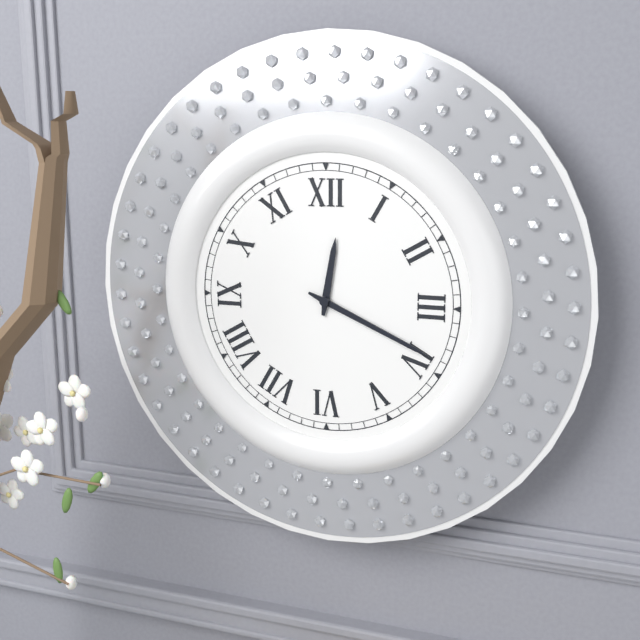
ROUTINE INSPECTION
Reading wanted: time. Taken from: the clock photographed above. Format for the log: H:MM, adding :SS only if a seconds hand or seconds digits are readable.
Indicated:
12:19
